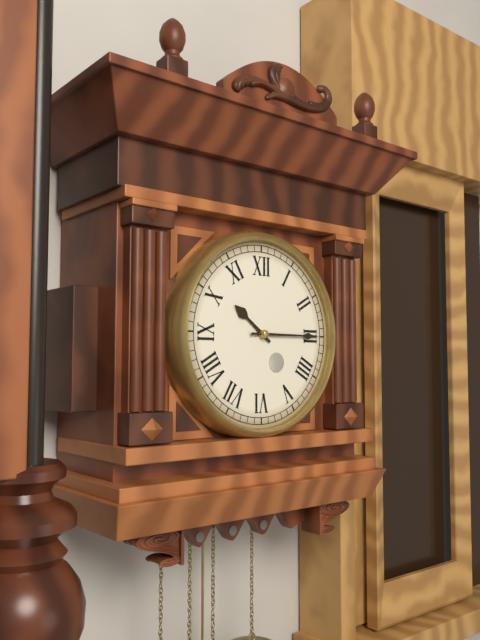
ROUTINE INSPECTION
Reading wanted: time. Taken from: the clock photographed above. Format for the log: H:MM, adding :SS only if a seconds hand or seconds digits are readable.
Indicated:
10:15
